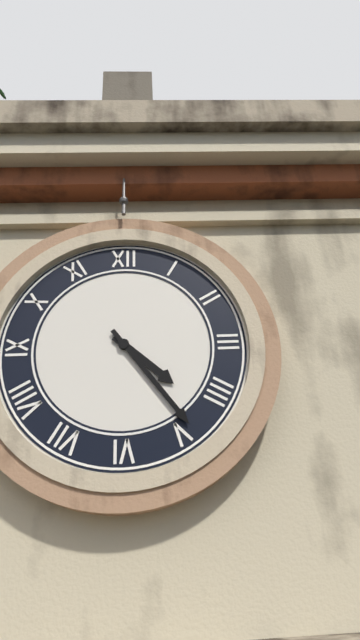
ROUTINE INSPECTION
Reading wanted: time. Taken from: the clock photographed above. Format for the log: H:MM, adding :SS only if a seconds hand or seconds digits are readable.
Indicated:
4:24
